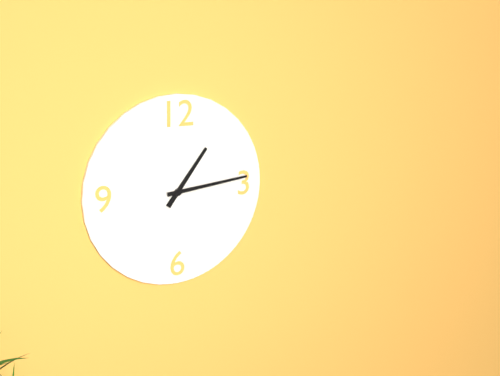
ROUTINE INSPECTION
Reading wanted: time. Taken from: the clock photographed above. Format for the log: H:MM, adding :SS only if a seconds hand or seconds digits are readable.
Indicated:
1:14
